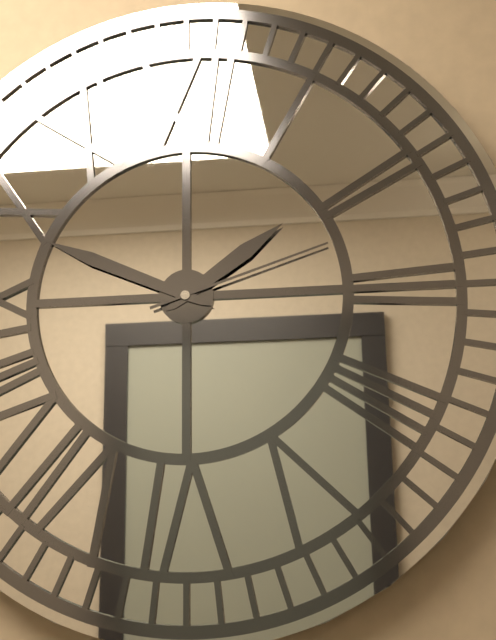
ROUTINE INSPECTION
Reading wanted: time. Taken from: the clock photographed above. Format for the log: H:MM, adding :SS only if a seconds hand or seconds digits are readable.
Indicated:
1:49:12
